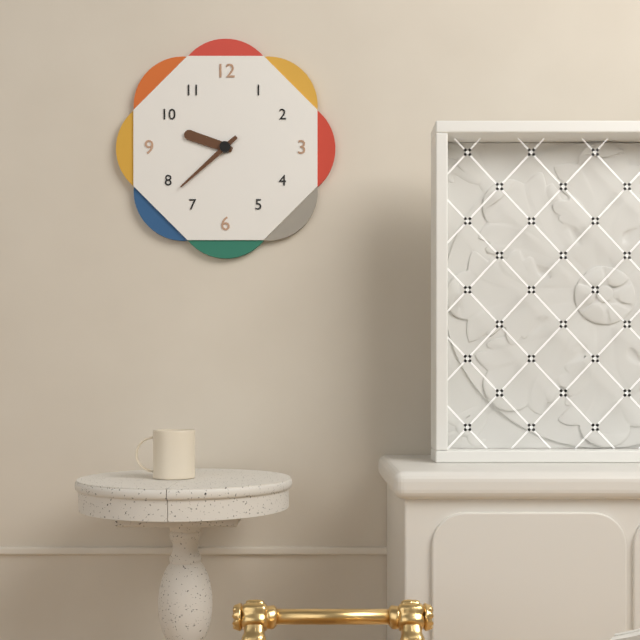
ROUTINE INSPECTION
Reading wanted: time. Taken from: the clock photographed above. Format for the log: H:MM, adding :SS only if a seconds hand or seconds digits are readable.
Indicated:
9:38
